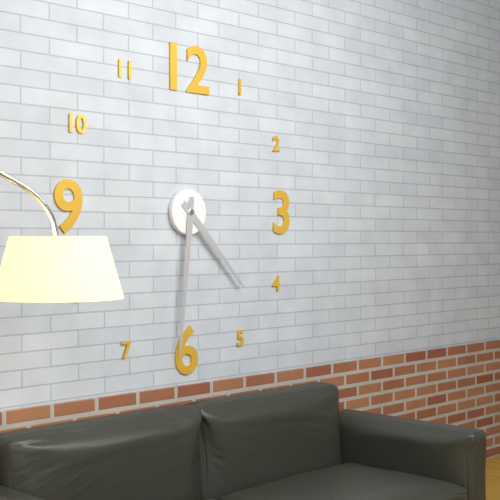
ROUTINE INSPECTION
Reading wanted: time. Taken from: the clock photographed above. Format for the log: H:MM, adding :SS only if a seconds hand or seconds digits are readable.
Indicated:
4:31
